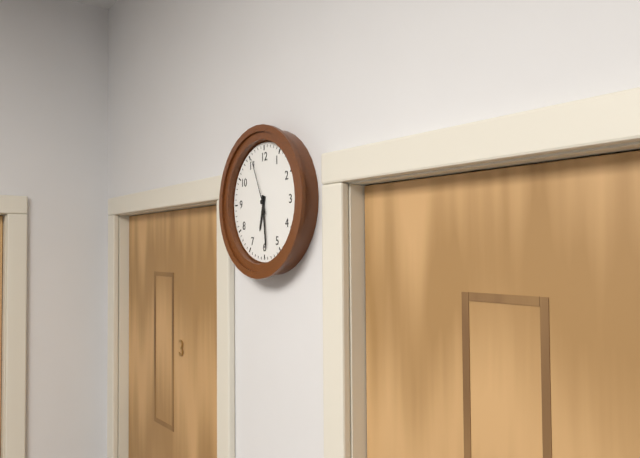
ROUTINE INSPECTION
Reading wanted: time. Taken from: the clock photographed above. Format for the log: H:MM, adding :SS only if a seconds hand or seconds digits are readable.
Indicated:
6:29:56
